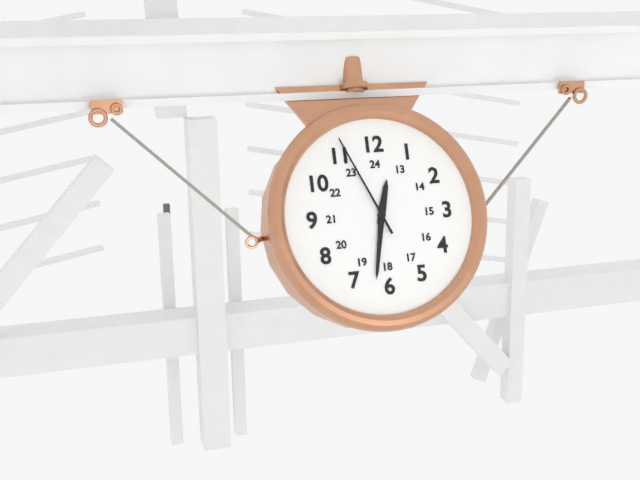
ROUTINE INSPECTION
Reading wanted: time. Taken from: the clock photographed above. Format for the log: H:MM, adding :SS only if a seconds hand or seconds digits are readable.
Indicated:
12:32:56
